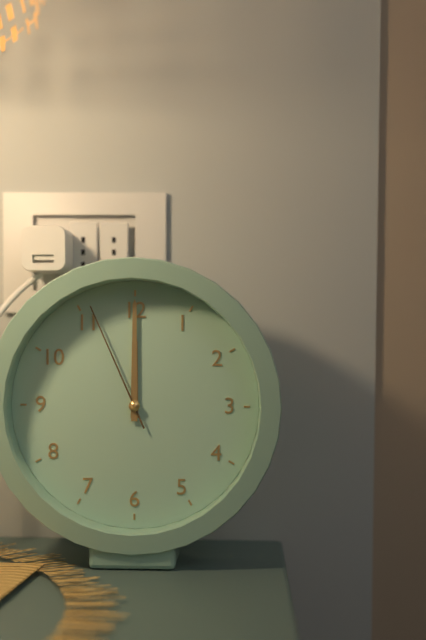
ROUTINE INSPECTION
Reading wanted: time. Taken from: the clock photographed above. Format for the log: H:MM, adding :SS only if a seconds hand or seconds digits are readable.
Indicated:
12:00:56
